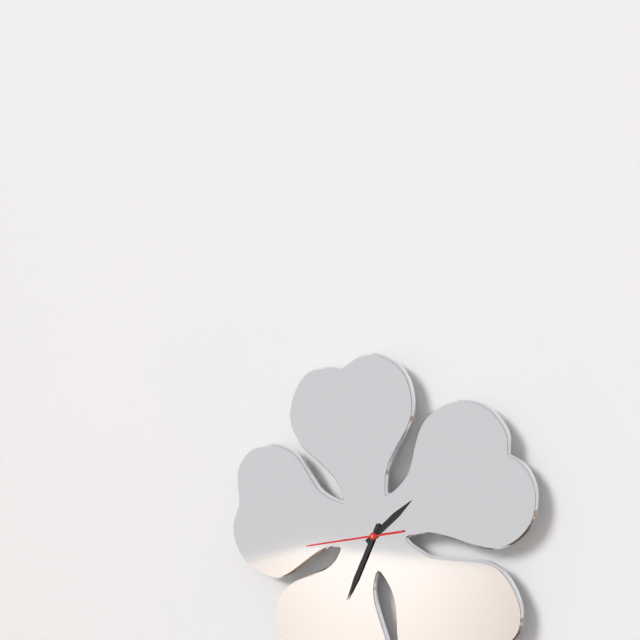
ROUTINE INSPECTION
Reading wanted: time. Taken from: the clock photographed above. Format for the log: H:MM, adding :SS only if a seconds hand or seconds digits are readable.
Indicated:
1:34:43
